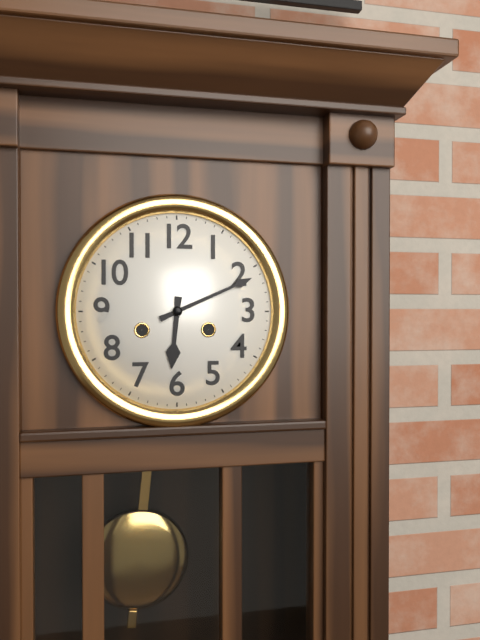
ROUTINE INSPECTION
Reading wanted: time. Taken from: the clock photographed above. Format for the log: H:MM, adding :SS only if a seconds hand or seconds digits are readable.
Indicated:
6:11
